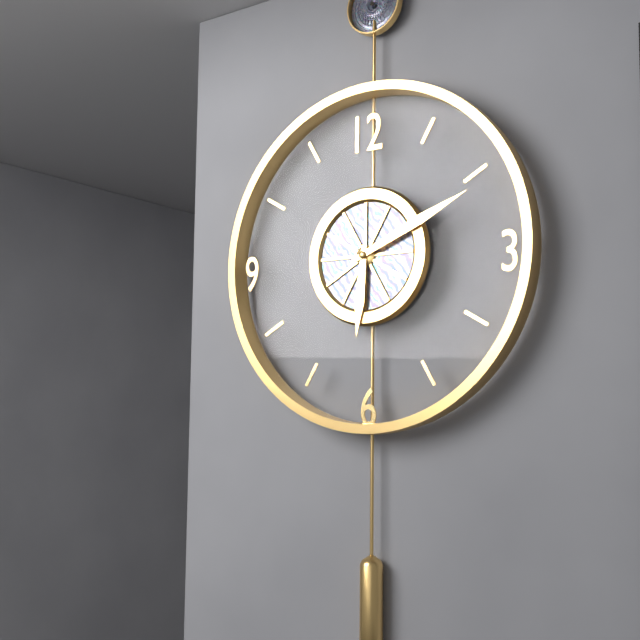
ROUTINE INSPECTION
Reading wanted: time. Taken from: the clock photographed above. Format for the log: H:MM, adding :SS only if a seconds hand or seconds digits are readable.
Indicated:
6:11
